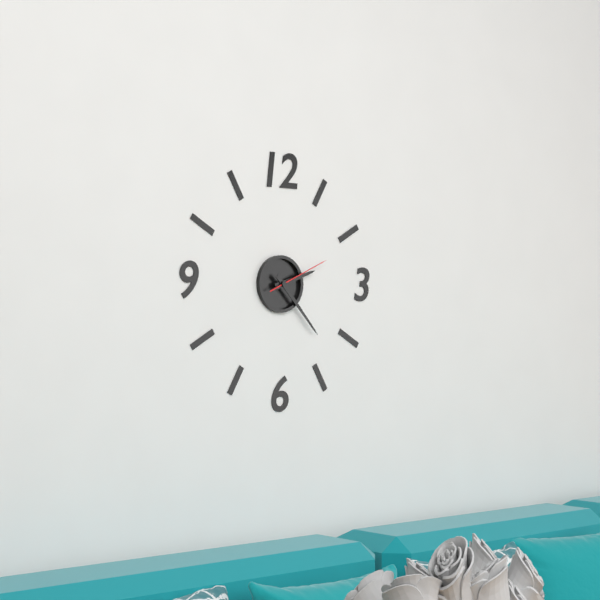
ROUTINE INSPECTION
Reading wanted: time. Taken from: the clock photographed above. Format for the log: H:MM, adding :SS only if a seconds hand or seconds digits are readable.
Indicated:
2:23:11
